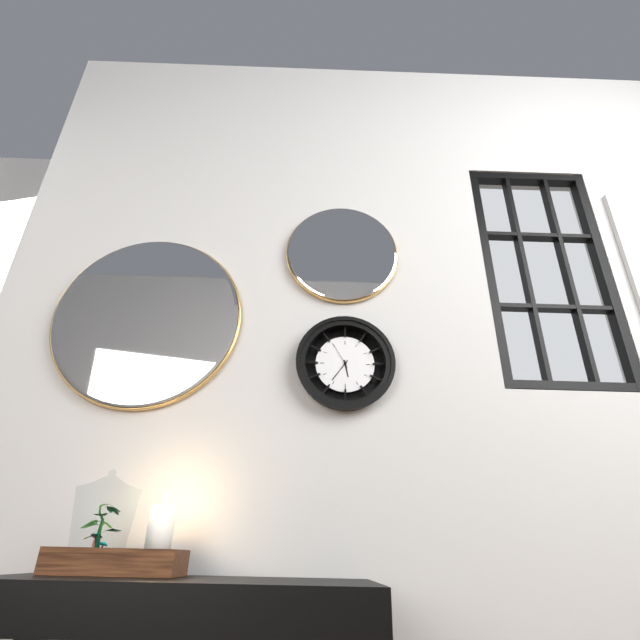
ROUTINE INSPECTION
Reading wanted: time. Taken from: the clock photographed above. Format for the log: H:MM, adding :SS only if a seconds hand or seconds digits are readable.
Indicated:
5:36
